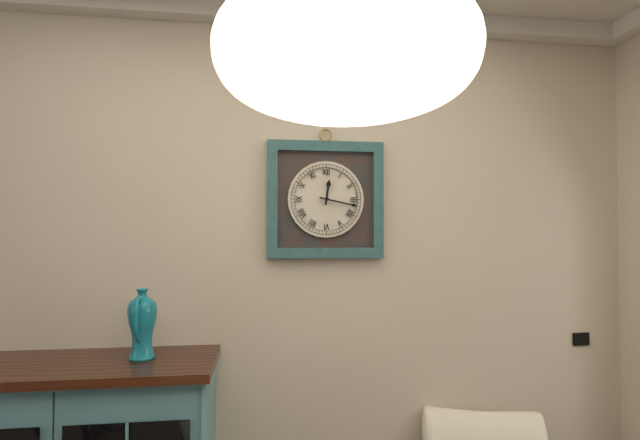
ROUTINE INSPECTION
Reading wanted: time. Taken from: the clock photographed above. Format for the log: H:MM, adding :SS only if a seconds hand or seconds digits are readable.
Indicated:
12:17
